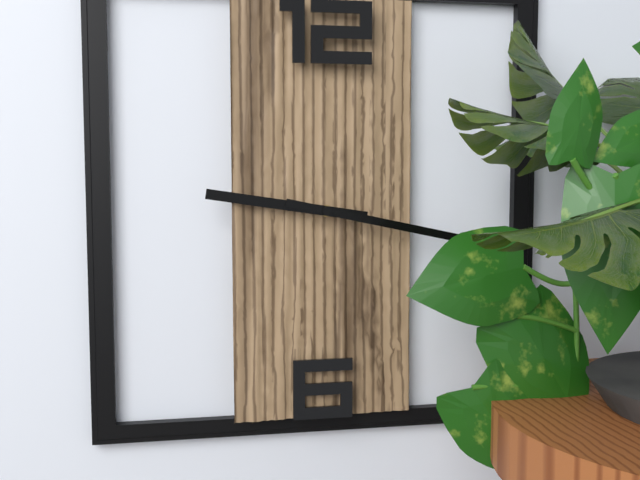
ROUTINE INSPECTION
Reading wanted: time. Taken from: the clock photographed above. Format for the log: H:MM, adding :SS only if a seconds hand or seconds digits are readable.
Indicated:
9:17
